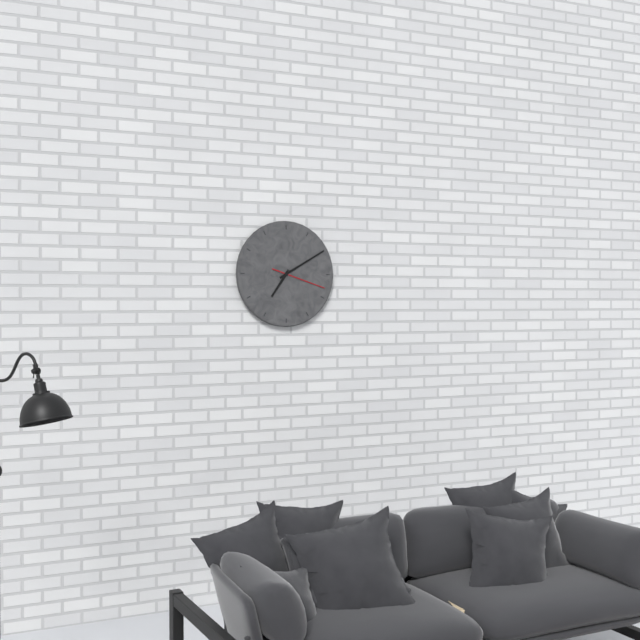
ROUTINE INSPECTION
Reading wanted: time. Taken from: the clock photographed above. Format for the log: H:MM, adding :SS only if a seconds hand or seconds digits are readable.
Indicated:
7:10:18
